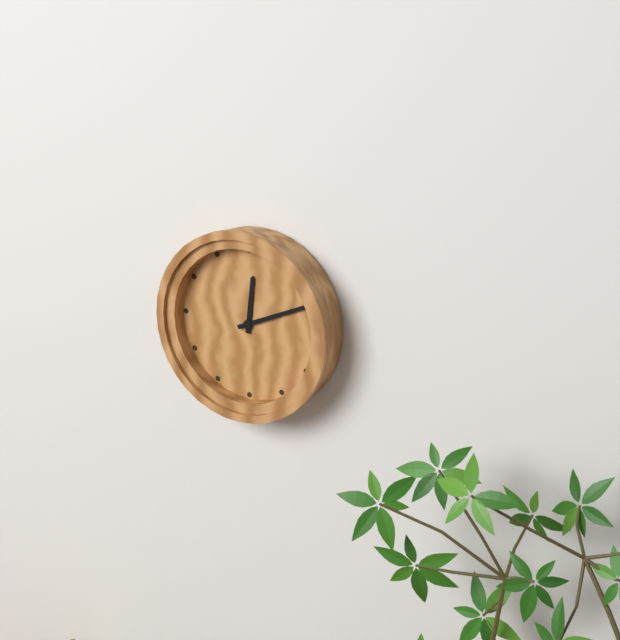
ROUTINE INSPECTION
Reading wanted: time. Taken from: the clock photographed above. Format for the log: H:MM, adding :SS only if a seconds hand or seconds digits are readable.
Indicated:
12:11
